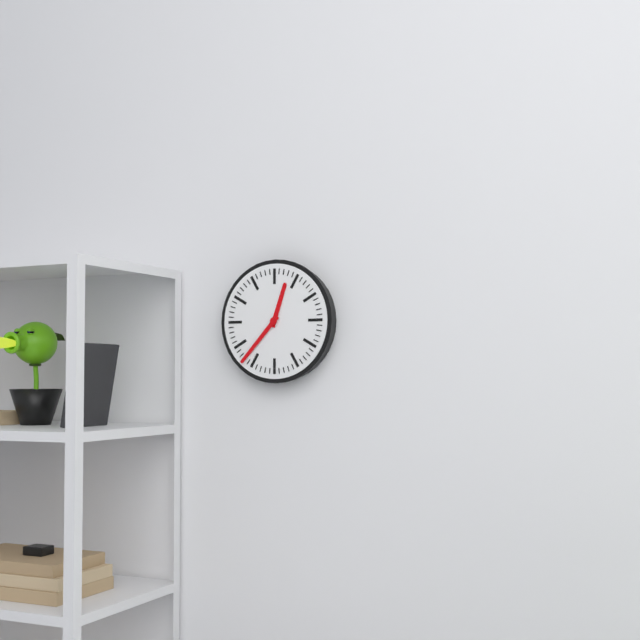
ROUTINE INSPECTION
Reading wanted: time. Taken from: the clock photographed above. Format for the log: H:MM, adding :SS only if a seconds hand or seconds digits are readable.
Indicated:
12:37
